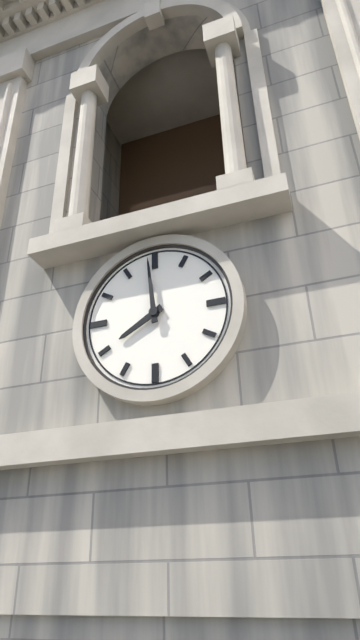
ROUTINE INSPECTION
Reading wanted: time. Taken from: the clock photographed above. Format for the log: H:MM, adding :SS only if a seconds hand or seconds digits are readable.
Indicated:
7:59
